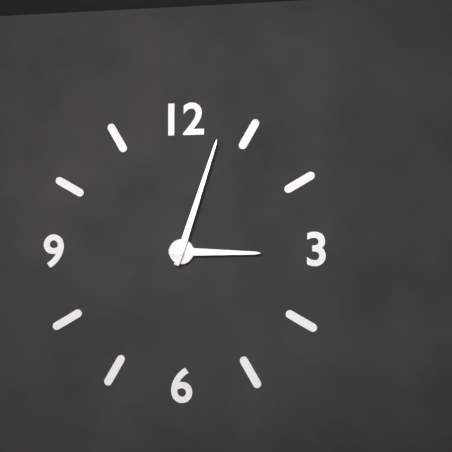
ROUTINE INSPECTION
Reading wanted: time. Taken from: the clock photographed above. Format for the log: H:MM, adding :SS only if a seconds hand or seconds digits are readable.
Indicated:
3:03
